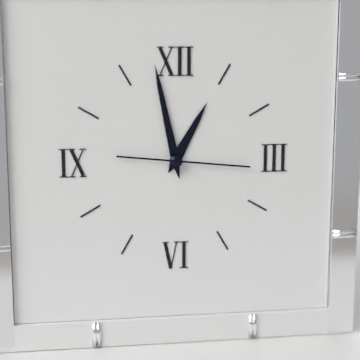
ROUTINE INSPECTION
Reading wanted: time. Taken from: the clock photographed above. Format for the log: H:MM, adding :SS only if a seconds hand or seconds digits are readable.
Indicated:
12:58:16
